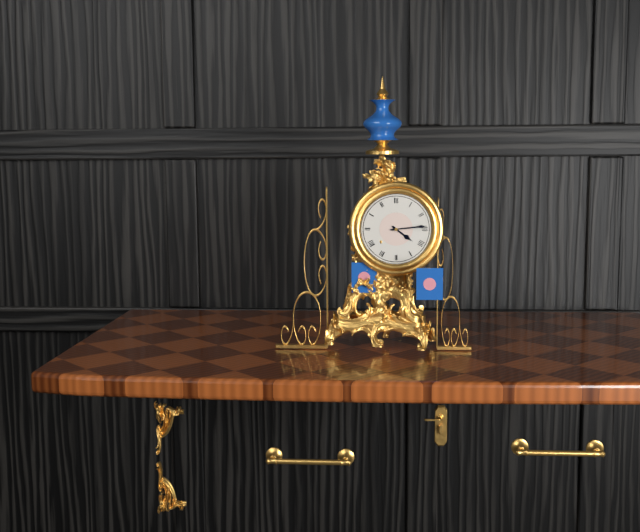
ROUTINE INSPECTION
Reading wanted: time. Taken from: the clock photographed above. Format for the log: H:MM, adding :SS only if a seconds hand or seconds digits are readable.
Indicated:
4:14
